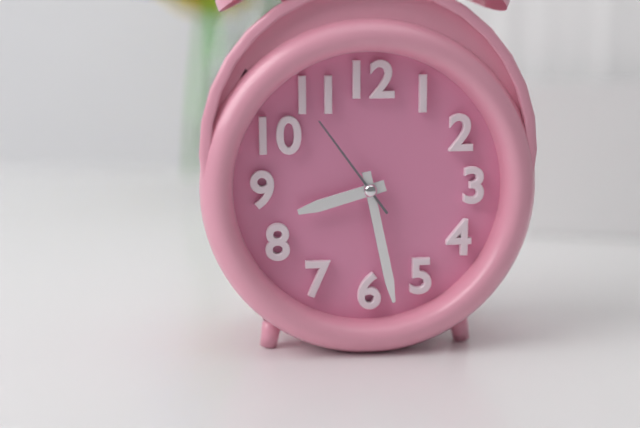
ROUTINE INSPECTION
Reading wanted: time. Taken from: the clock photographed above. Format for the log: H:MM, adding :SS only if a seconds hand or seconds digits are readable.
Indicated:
8:28:54
